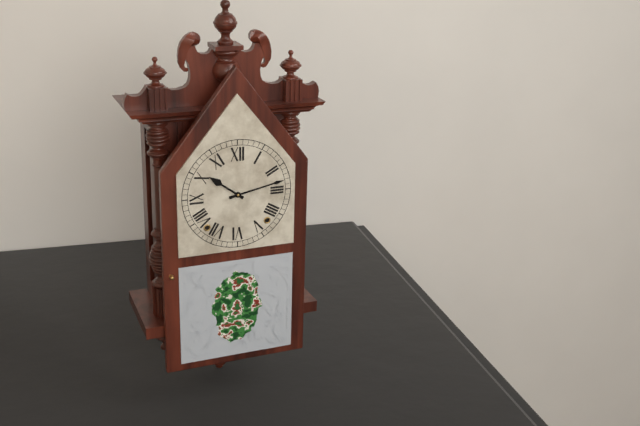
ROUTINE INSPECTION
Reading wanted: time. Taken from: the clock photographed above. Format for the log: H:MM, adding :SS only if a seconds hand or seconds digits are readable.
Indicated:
10:13
